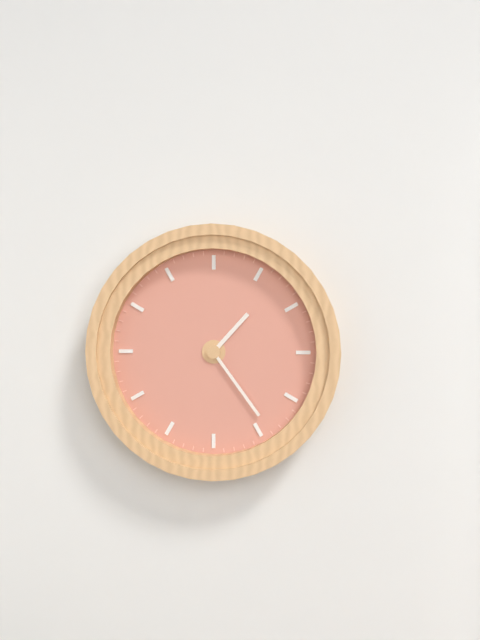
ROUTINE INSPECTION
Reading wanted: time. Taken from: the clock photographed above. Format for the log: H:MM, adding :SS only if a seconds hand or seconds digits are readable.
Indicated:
1:24
